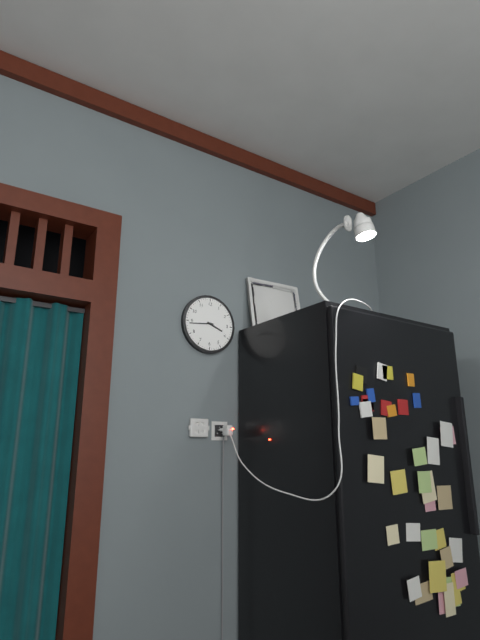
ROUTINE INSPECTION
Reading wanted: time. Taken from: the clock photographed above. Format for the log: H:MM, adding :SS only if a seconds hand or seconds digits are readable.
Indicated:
3:44
